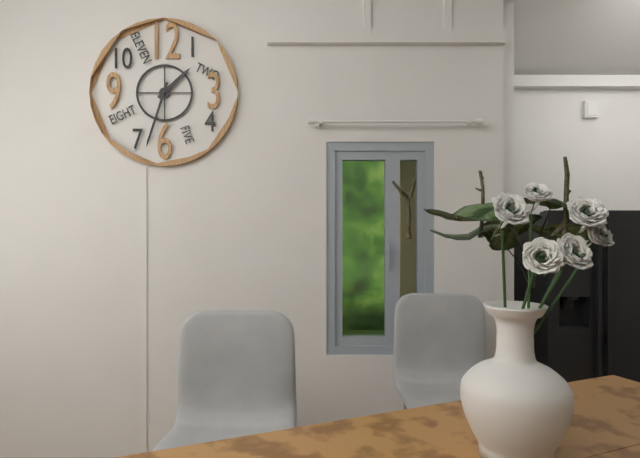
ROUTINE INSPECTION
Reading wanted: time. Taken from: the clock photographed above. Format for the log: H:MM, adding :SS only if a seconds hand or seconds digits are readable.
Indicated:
1:33
